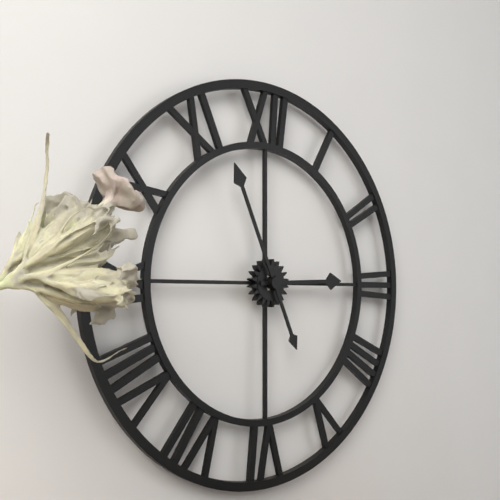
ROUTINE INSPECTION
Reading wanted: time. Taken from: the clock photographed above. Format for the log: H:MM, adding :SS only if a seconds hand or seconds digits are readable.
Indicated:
2:56
